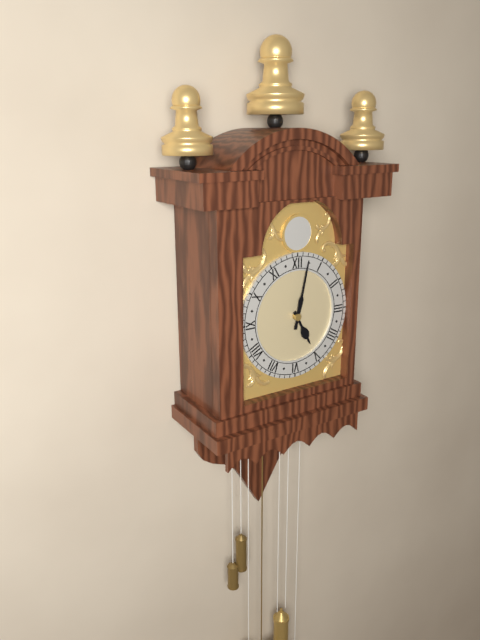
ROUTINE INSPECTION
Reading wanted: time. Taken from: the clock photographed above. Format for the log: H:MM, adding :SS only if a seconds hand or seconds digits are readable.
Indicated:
5:02
